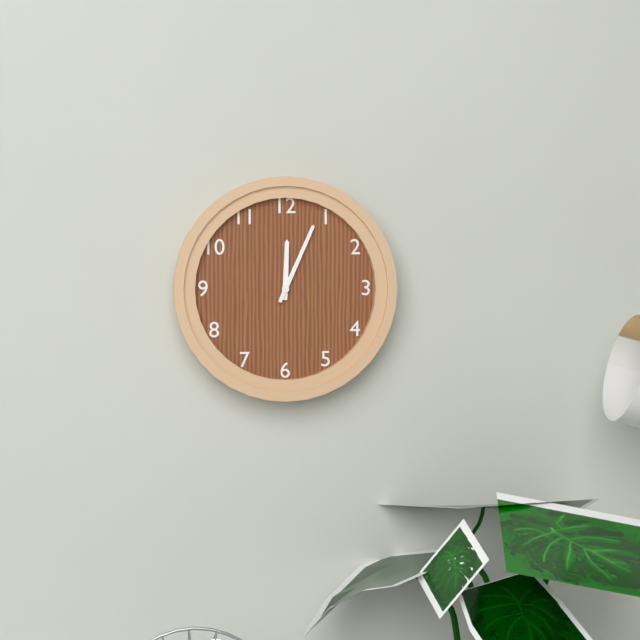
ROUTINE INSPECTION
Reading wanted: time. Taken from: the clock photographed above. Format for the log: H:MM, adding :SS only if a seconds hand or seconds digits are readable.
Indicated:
12:04
